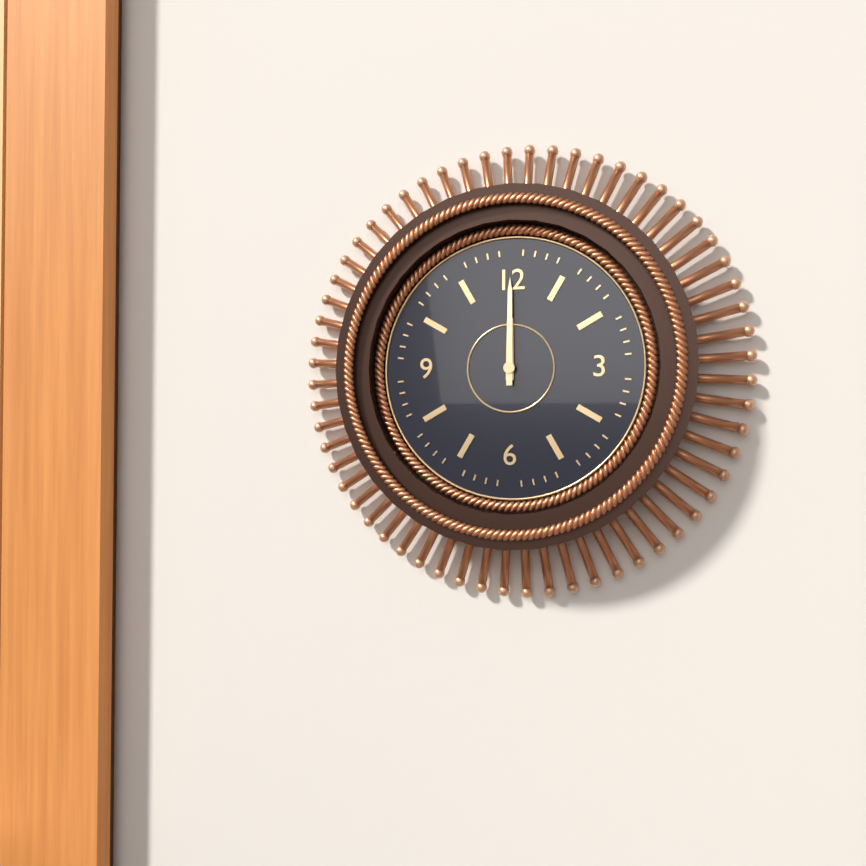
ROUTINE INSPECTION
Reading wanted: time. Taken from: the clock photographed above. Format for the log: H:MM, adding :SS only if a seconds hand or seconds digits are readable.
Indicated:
12:00
